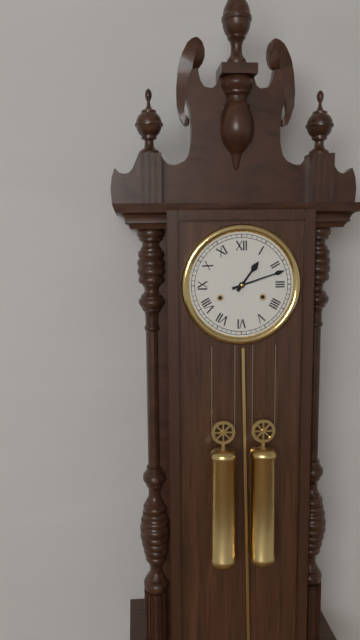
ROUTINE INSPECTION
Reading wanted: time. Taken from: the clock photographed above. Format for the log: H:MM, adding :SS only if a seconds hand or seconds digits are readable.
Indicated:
1:12
